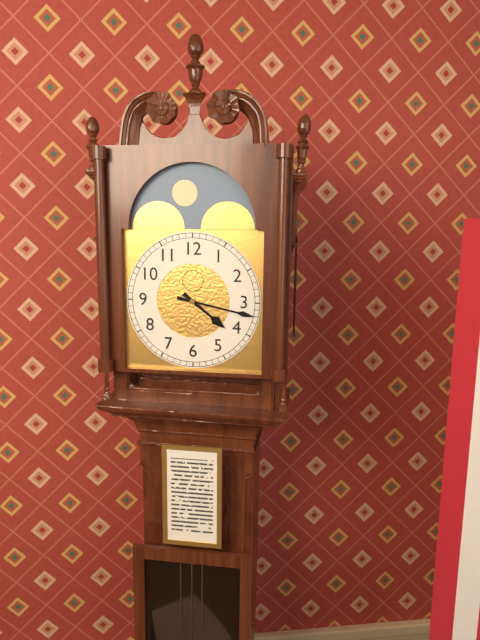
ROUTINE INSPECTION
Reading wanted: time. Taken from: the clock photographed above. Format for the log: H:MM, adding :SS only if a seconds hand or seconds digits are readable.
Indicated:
4:17
